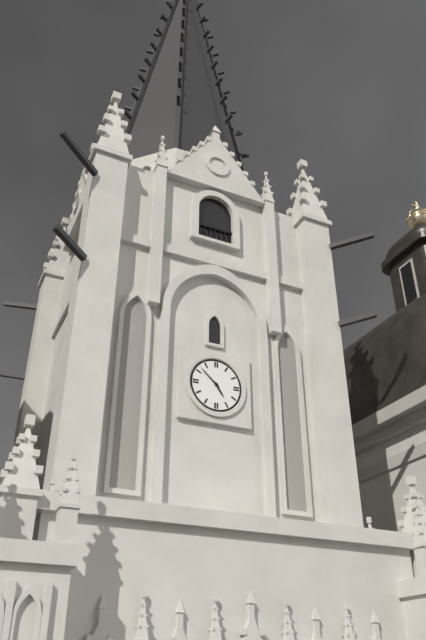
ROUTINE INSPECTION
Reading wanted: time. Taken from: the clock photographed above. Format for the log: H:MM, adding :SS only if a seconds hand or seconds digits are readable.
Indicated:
4:52
